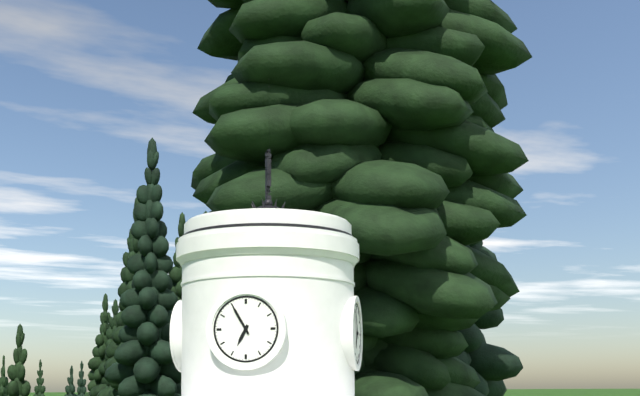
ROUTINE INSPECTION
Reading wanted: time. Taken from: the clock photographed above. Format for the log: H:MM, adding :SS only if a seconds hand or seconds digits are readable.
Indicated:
6:55
